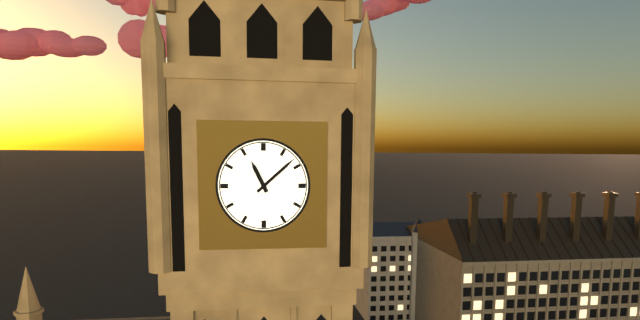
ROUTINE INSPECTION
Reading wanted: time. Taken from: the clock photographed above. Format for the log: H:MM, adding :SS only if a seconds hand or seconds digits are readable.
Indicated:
11:08
